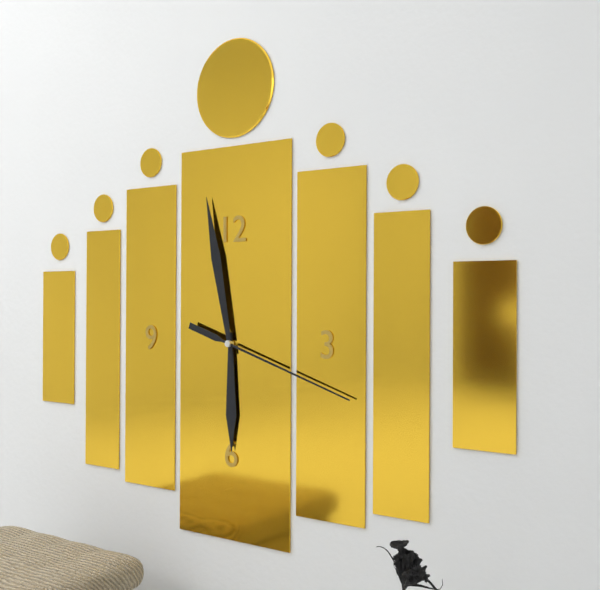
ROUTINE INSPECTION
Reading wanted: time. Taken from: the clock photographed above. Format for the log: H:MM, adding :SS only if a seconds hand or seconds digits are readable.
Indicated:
5:58:18
